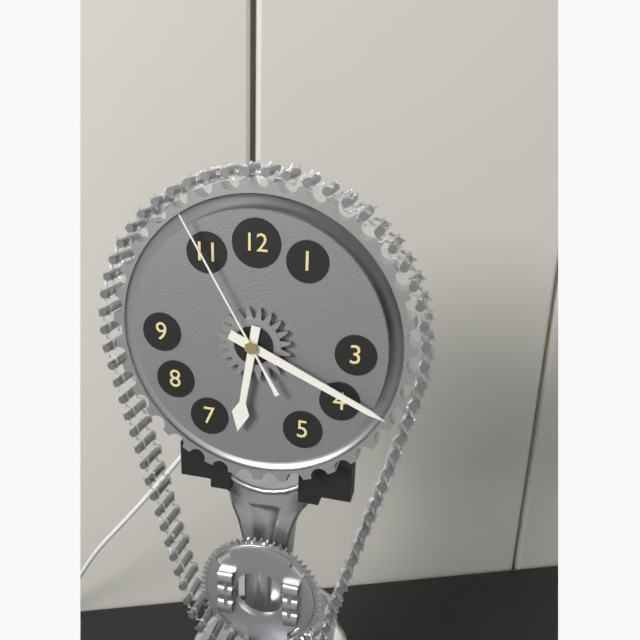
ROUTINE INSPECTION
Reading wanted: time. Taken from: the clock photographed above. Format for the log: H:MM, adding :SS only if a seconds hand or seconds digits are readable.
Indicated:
6:19:55
